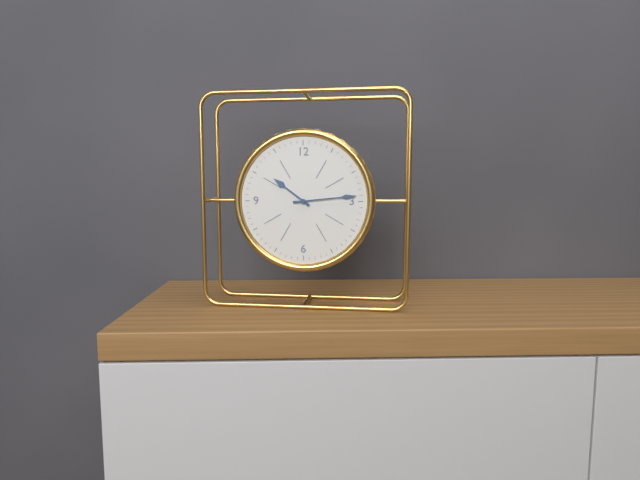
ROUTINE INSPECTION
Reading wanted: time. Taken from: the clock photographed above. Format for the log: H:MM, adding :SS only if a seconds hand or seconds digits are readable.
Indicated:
10:14
